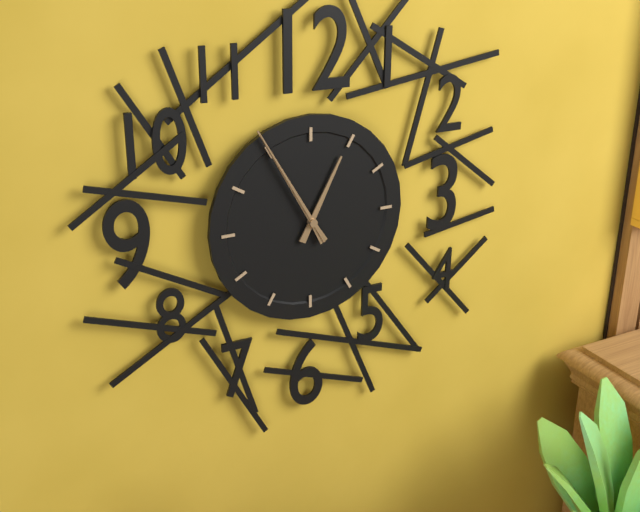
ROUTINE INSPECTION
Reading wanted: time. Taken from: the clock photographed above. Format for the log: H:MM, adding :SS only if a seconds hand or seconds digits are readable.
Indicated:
12:55:55
